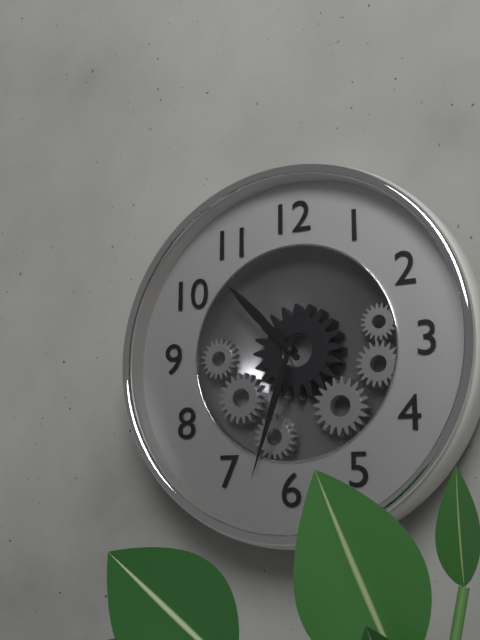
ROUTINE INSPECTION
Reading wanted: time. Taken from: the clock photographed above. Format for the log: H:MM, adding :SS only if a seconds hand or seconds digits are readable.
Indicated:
10:33
